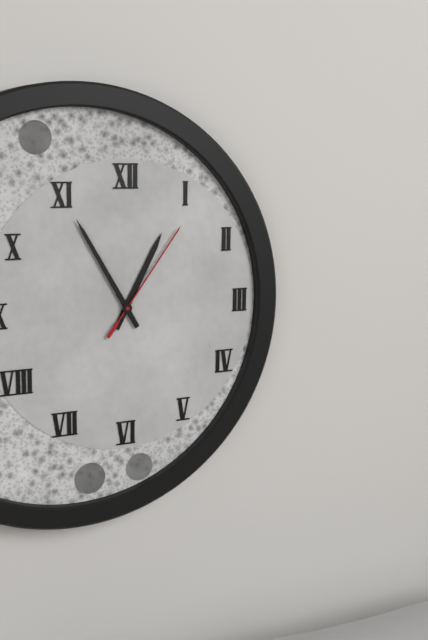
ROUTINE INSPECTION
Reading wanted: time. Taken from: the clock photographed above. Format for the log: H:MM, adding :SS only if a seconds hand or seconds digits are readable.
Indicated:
12:55:06
